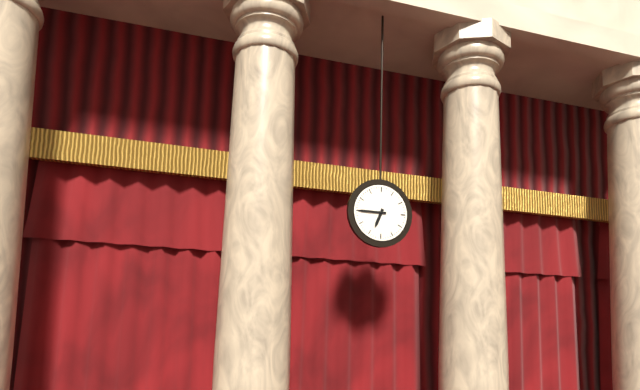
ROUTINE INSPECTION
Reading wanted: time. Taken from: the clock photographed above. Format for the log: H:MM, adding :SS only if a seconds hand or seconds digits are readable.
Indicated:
6:45
